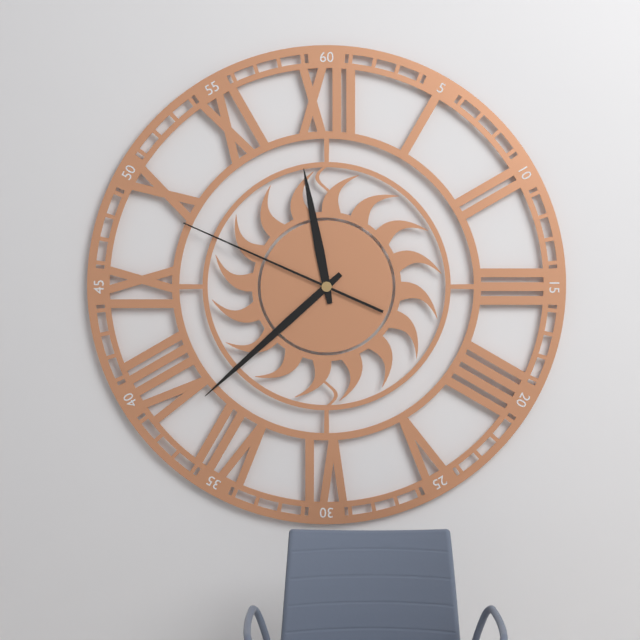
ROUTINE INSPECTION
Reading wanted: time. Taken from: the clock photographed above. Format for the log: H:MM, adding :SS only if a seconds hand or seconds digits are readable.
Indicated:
11:38:49
